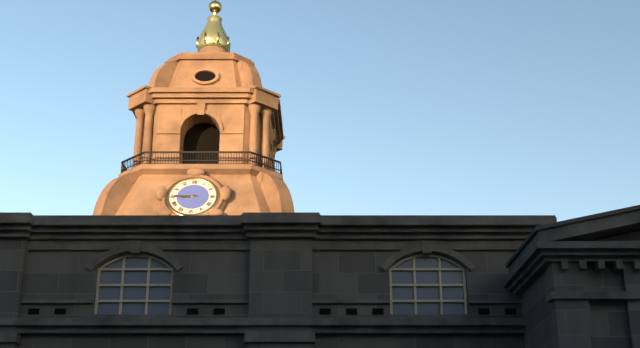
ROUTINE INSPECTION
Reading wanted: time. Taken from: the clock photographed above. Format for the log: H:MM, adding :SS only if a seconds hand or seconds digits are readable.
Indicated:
8:45
